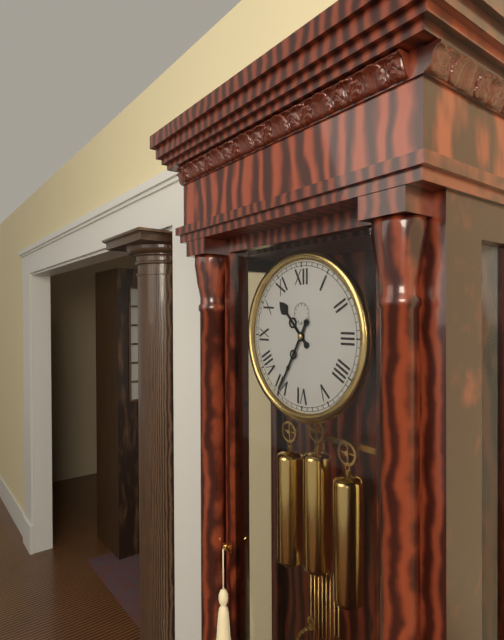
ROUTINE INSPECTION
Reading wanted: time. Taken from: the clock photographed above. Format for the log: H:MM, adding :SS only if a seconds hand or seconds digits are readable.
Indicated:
10:35
